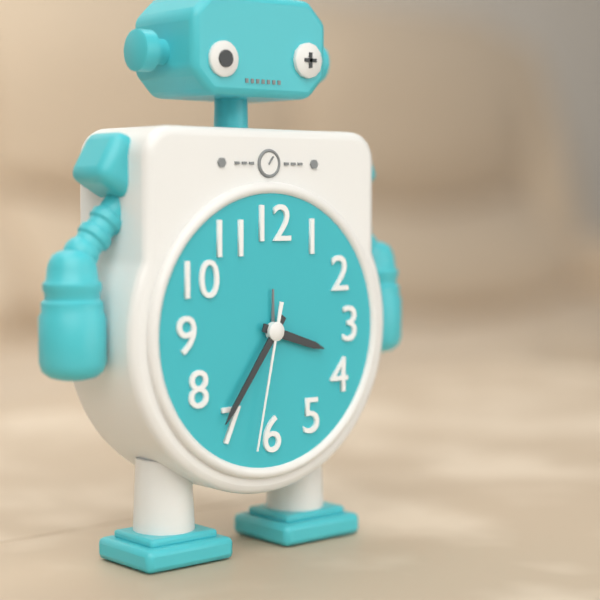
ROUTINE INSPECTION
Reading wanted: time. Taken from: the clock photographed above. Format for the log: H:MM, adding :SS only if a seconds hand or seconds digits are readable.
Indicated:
3:36:32
